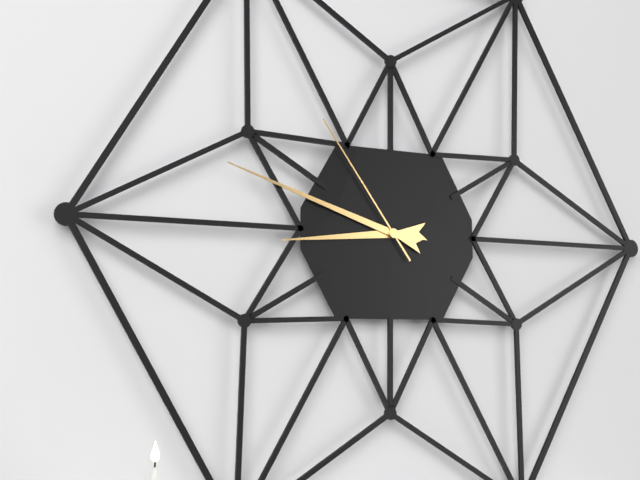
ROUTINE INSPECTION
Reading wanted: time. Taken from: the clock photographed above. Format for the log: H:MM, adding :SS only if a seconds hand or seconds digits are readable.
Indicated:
8:48:54
